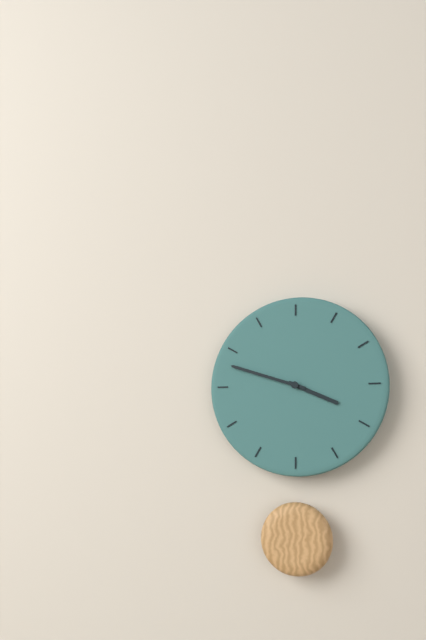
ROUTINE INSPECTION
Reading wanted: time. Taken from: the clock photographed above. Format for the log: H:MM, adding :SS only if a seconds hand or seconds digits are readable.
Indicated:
3:48
